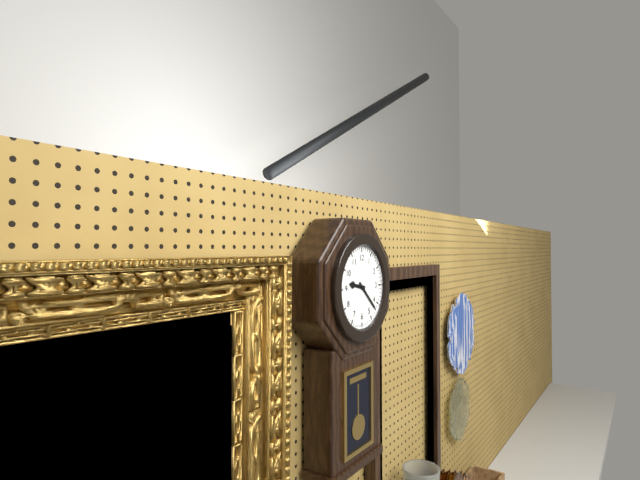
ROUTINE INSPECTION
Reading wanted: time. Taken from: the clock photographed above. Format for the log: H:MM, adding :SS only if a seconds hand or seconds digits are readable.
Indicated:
9:22
